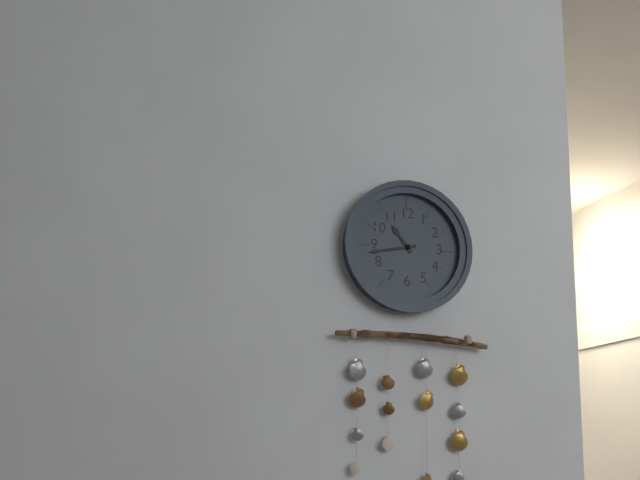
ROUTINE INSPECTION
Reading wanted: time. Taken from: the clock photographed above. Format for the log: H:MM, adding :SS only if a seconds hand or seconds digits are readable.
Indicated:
10:43
